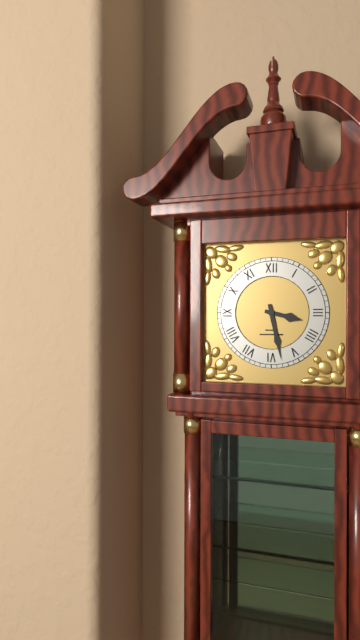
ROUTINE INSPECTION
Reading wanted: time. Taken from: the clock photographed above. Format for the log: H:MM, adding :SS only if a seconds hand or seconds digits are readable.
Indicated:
3:28
